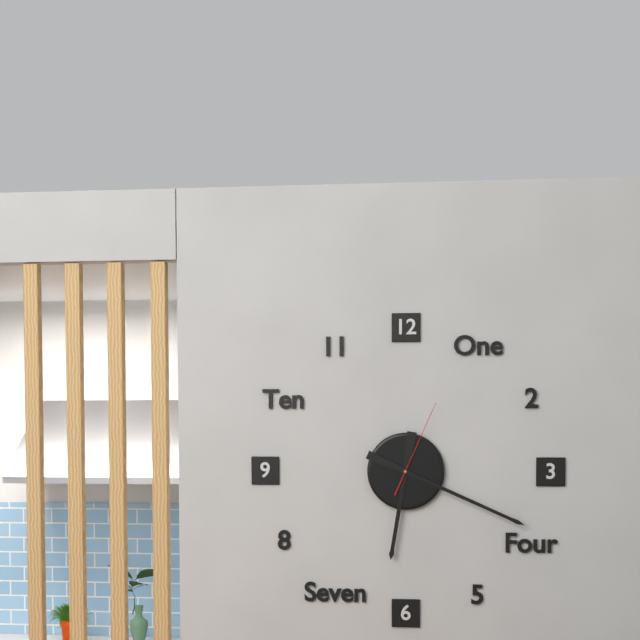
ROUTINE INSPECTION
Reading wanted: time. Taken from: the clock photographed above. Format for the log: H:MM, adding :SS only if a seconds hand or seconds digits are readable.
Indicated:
6:19:04
